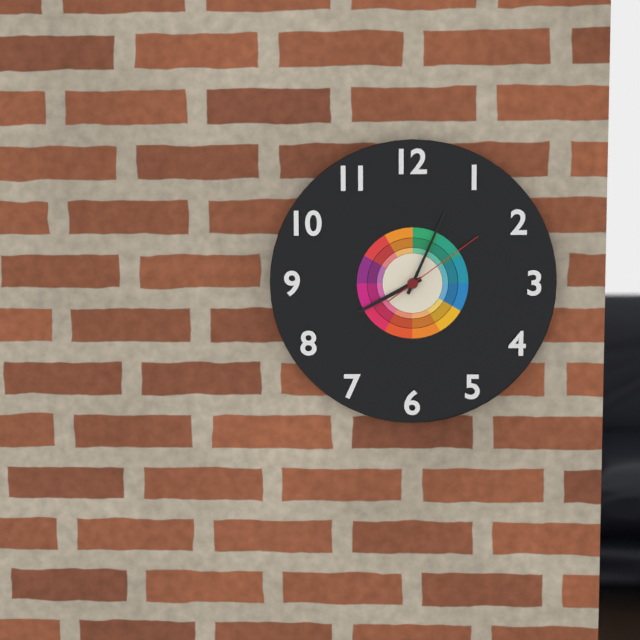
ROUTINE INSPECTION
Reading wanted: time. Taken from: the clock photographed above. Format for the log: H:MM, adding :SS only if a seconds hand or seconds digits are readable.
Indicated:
8:04:09
